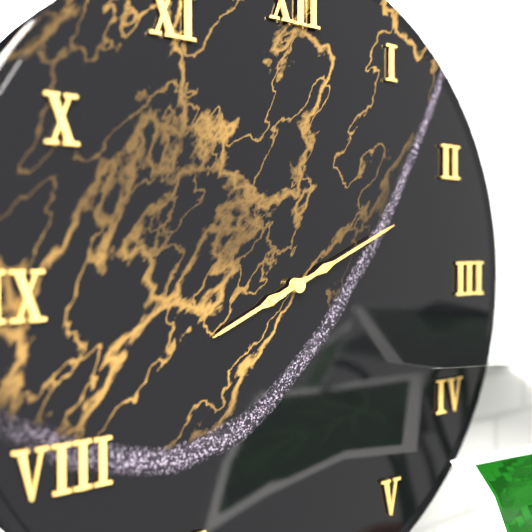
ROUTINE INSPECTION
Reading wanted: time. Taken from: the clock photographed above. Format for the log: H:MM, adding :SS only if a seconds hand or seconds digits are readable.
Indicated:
8:11:11
